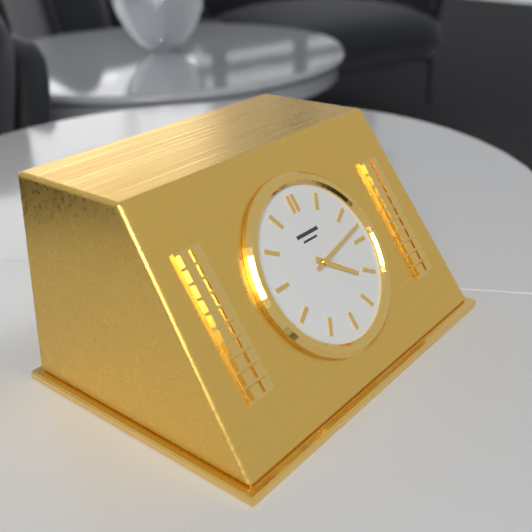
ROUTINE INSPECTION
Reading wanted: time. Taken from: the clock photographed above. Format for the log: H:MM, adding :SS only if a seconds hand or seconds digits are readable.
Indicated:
4:13
